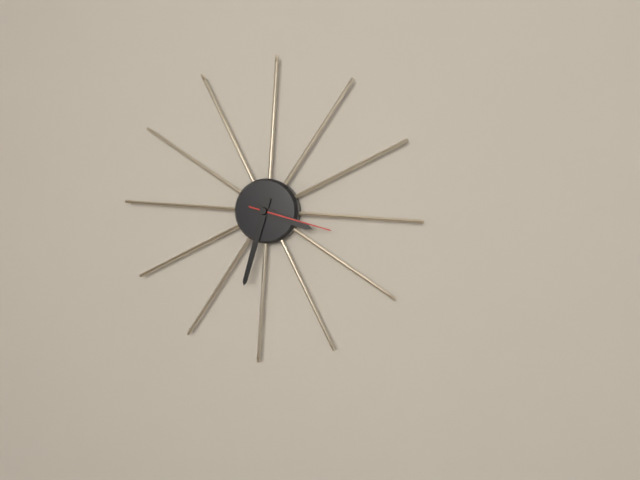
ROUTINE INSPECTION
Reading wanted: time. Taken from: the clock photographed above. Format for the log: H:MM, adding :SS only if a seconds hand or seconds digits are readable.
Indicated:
3:32:17
